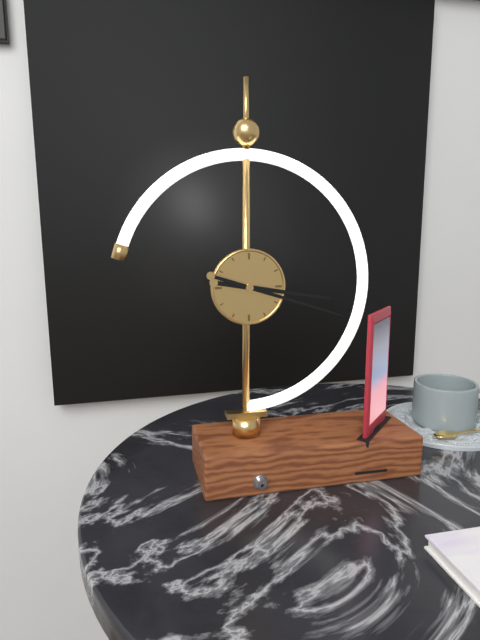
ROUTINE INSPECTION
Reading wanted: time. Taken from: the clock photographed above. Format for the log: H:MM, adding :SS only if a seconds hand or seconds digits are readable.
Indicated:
3:18
